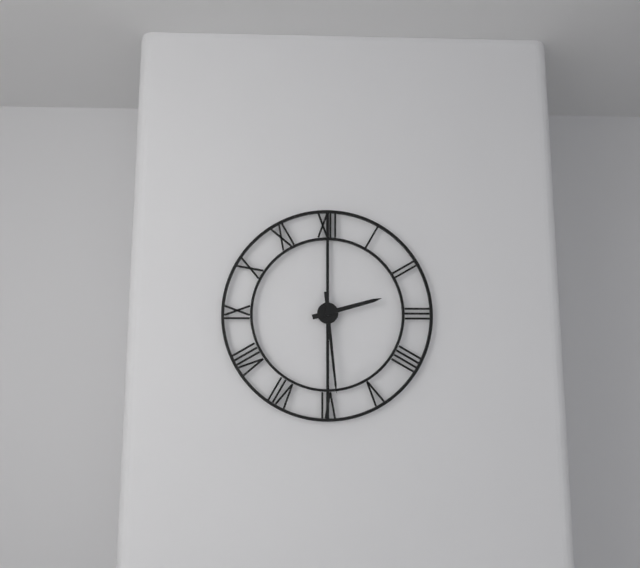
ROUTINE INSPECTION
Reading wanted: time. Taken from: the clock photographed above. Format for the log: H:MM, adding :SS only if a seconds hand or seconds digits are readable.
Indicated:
2:29
